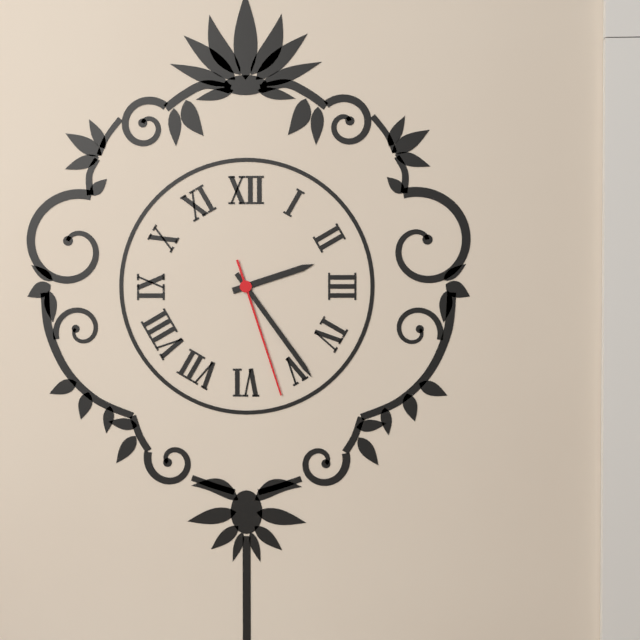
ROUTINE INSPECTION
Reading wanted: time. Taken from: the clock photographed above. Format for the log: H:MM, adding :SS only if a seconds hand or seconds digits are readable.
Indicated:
2:24:27
